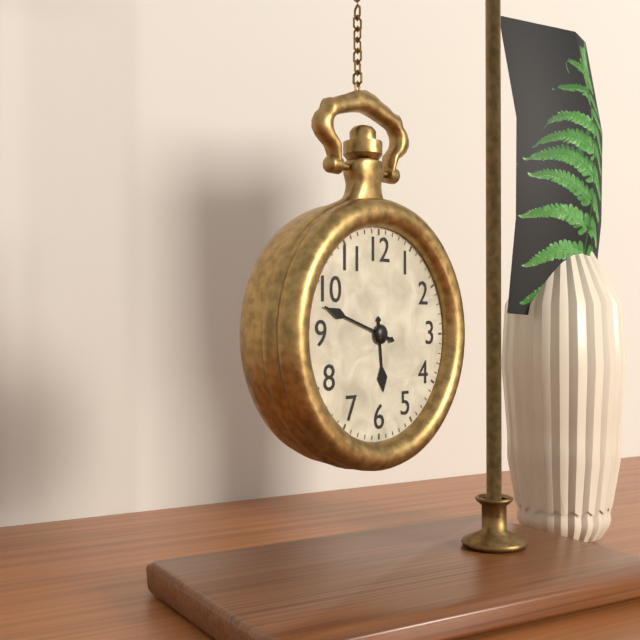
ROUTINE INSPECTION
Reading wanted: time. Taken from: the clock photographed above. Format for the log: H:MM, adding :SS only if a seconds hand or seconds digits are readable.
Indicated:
5:48
